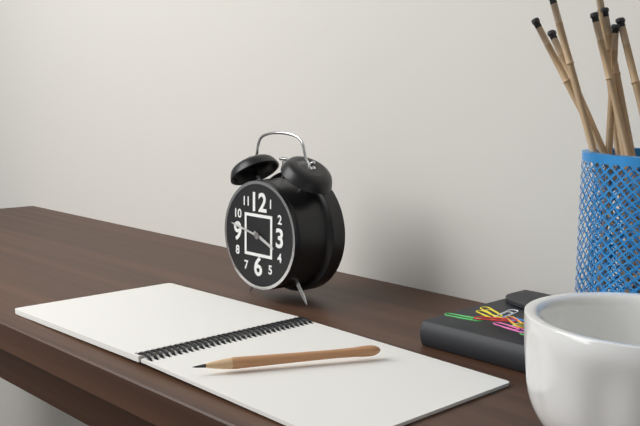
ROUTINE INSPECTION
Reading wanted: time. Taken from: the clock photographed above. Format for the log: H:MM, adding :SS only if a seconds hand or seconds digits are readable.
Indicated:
3:47
